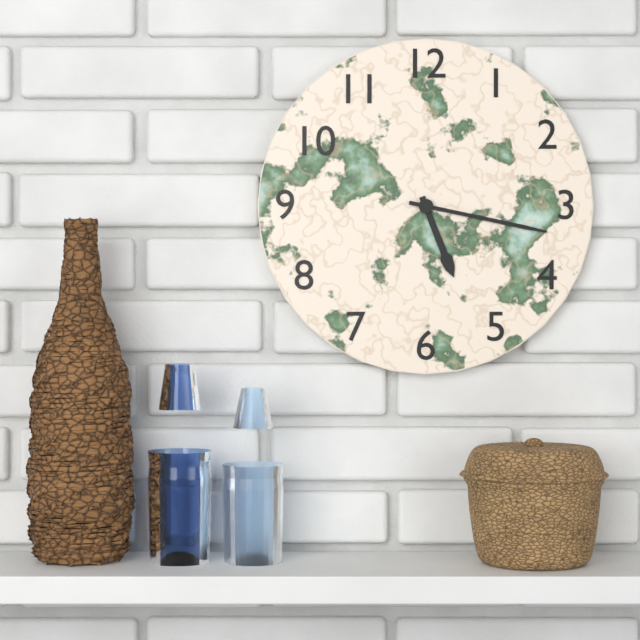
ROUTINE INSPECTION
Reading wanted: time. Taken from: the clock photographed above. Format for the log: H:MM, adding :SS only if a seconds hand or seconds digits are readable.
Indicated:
5:17
